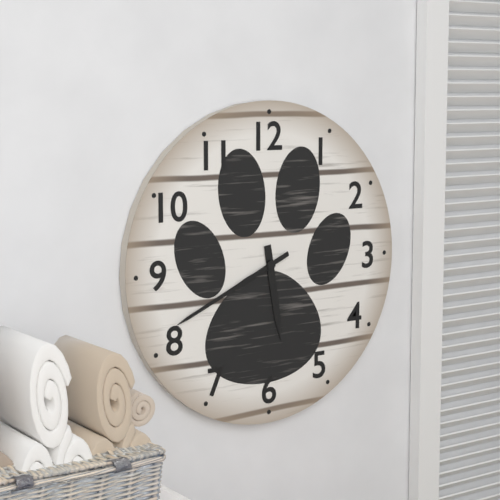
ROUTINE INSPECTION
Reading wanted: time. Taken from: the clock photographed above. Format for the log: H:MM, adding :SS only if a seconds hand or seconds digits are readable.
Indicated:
5:41
